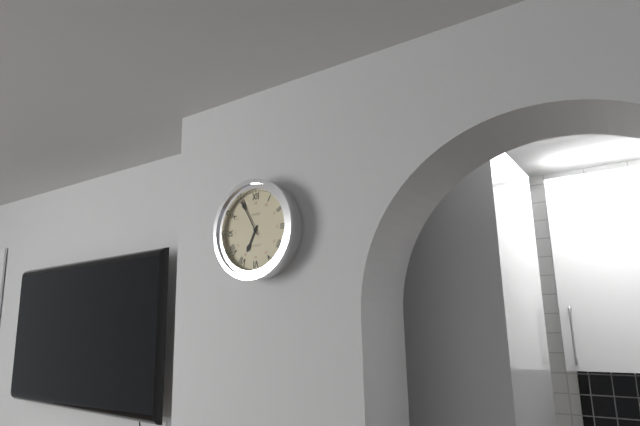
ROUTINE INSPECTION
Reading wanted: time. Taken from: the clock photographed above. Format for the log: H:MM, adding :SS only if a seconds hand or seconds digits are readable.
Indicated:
6:55
